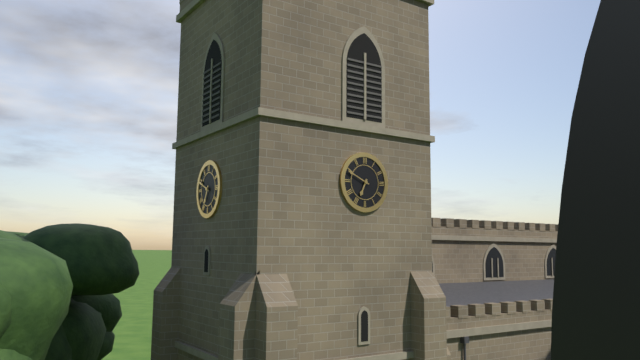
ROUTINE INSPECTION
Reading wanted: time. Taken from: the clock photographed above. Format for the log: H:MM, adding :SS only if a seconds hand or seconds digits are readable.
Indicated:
6:49
